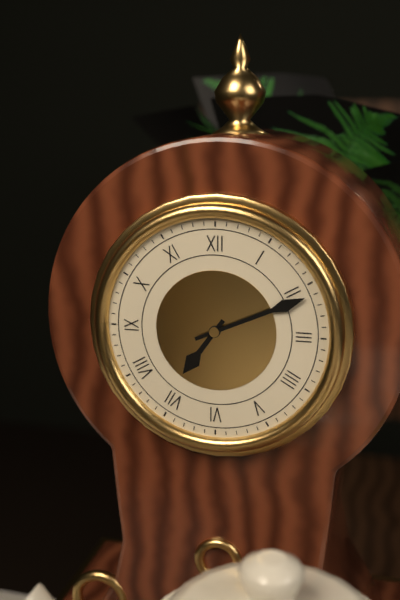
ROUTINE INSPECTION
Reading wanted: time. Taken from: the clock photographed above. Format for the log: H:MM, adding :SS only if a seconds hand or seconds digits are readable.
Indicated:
7:11
